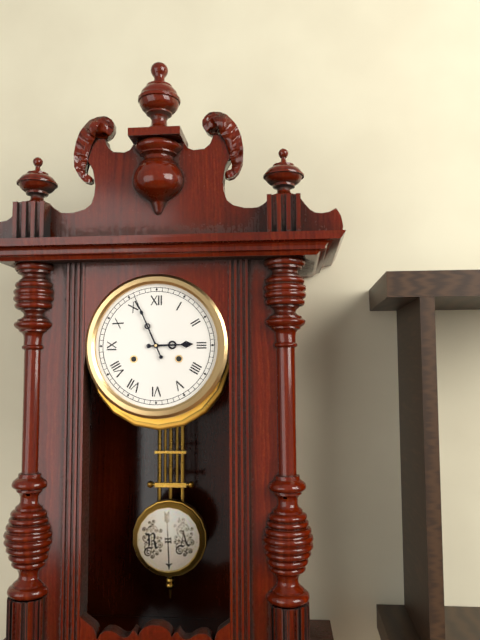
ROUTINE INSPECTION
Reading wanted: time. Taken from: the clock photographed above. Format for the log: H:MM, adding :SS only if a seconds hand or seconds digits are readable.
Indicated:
2:56
